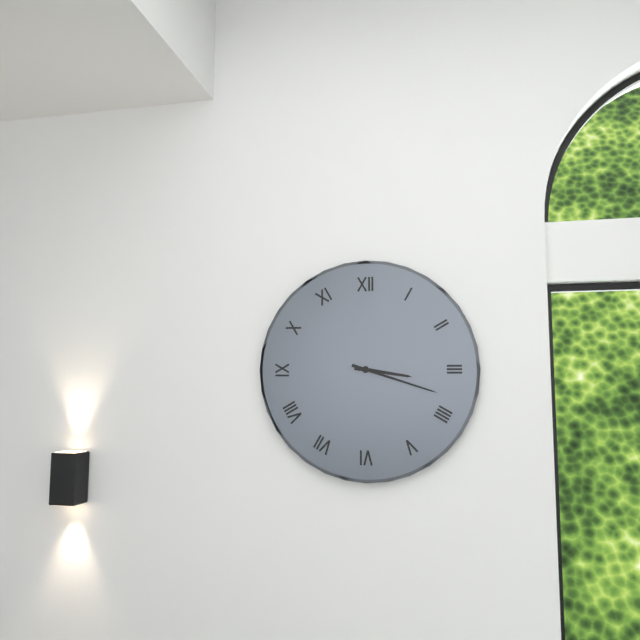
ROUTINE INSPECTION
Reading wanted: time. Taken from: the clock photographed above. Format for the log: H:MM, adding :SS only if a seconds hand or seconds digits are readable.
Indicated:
3:18
